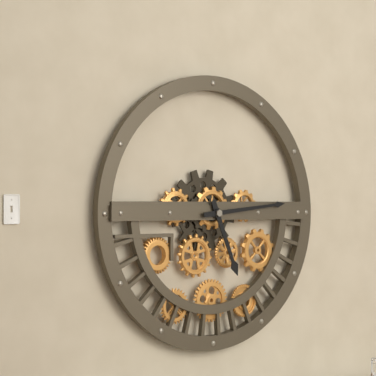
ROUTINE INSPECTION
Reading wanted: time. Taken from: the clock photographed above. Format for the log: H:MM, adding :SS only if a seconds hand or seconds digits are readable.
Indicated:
5:14
